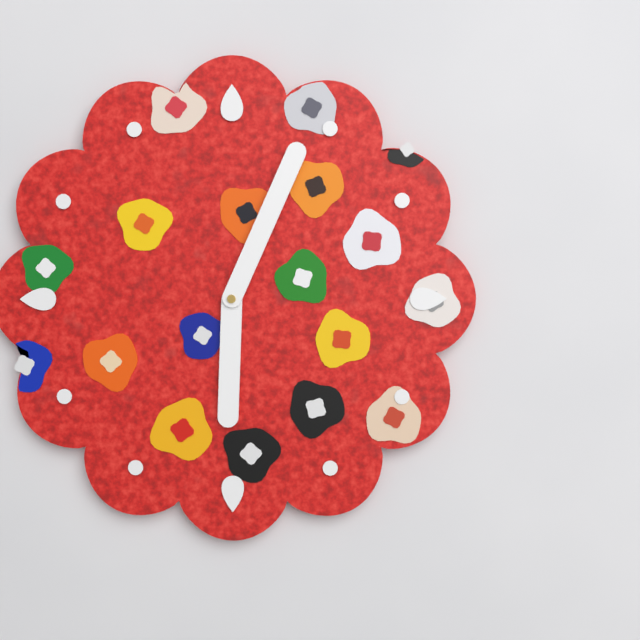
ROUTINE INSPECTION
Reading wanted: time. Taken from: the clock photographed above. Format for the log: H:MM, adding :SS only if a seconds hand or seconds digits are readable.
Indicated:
6:04
